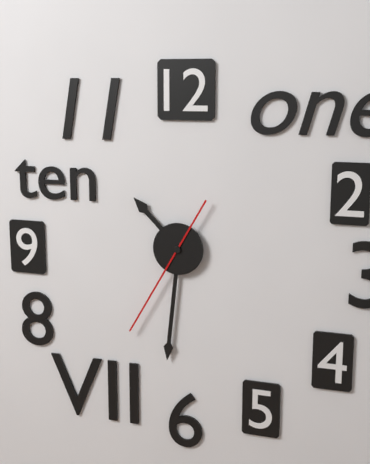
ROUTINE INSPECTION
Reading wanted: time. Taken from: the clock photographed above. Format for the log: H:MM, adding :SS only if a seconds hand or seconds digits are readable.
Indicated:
10:31:35
